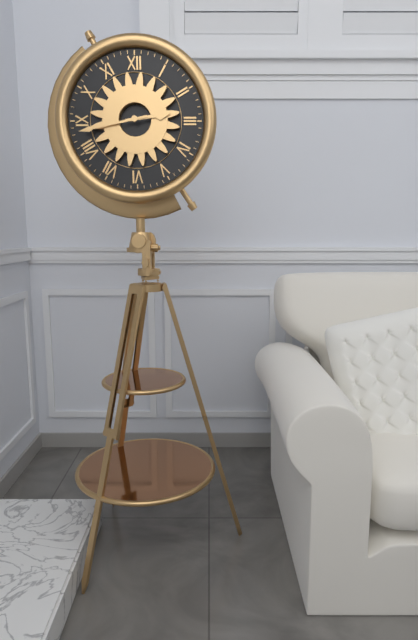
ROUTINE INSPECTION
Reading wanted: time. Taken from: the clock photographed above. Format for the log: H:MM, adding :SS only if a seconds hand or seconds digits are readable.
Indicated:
2:43
